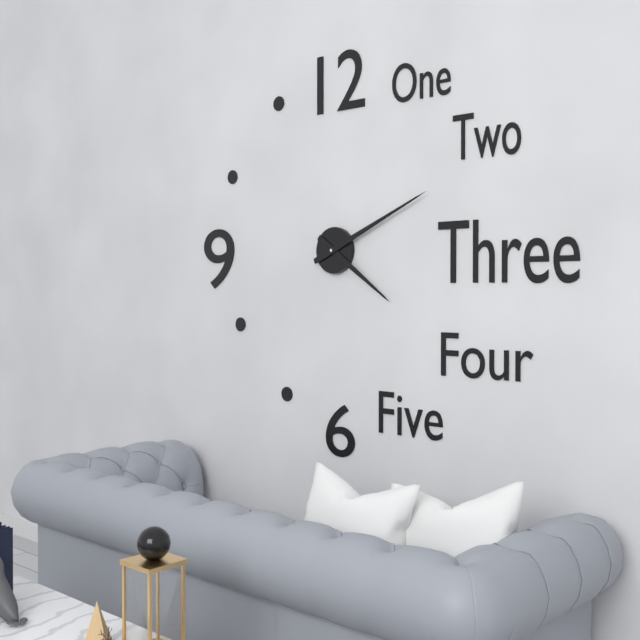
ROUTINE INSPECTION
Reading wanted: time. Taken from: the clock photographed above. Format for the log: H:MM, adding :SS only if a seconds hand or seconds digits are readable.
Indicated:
4:11
